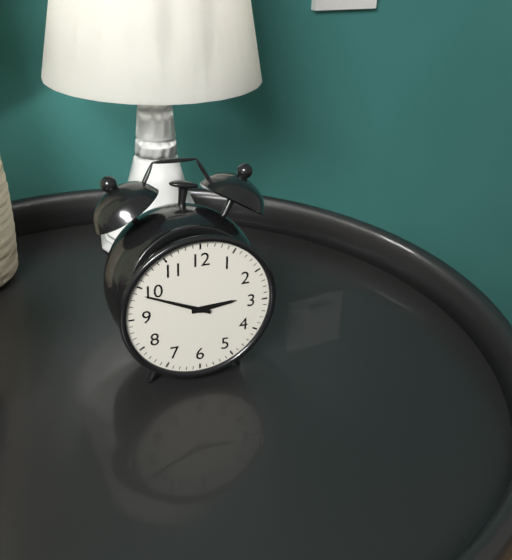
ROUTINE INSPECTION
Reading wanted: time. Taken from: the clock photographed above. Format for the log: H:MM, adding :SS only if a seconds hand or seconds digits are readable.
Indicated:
2:49
